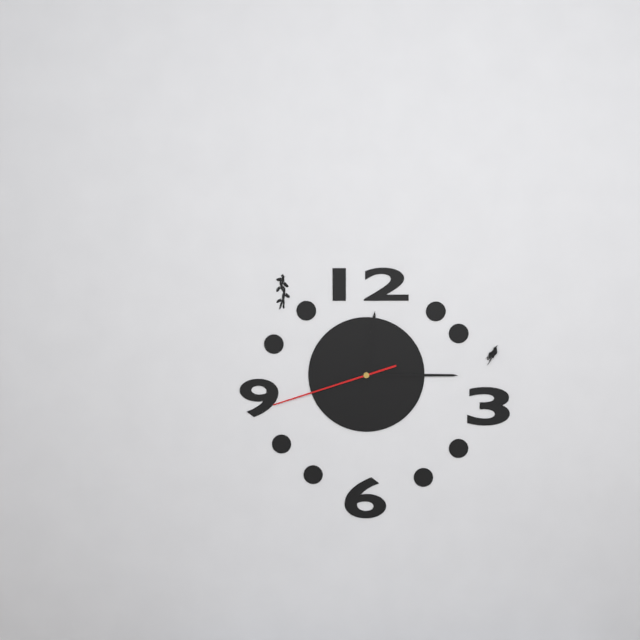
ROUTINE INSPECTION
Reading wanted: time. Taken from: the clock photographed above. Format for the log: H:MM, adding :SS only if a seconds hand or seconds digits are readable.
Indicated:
12:15:42
